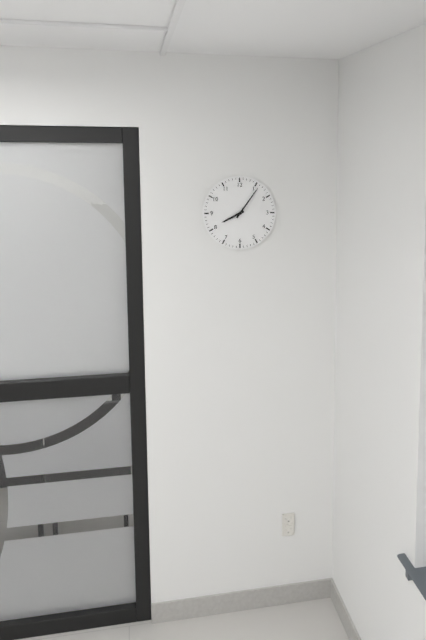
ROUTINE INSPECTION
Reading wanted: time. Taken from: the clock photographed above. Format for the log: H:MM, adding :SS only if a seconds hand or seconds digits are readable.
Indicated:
8:06
